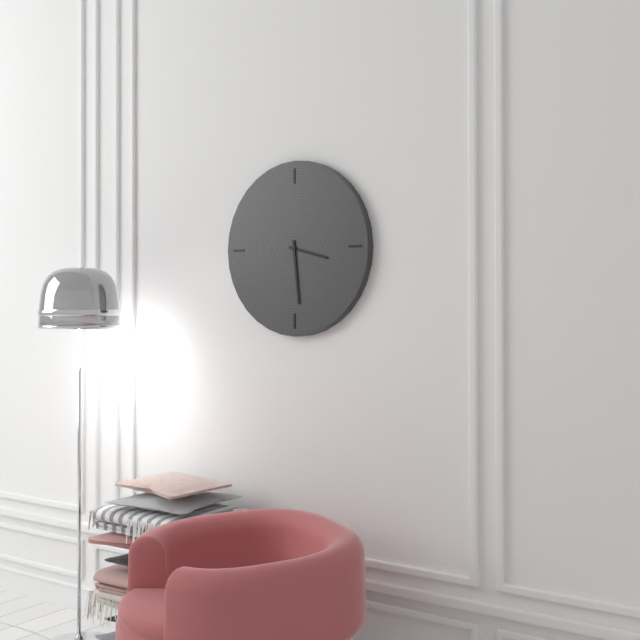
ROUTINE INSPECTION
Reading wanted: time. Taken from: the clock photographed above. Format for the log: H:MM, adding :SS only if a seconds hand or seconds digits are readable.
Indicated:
3:29
